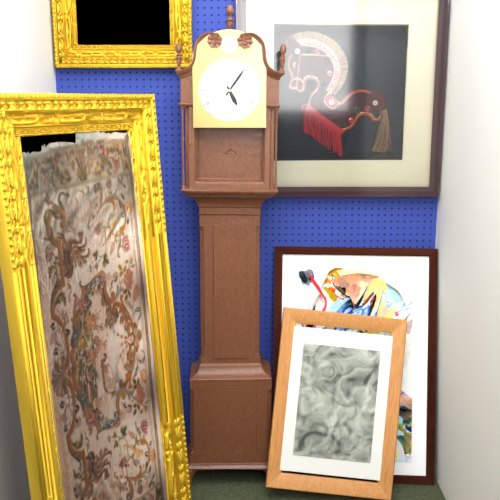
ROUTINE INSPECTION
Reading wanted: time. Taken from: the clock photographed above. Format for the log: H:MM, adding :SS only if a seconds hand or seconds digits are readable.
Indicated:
5:06
